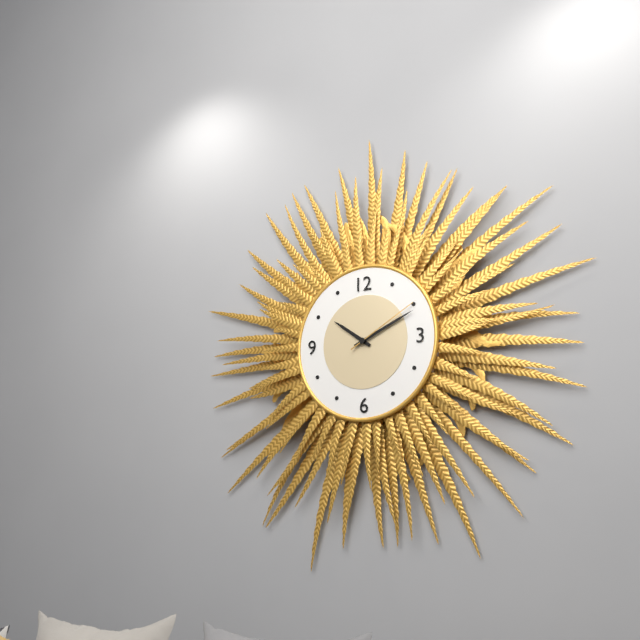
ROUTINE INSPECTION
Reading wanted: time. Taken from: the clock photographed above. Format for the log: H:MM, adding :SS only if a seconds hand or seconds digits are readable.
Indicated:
10:11:10
